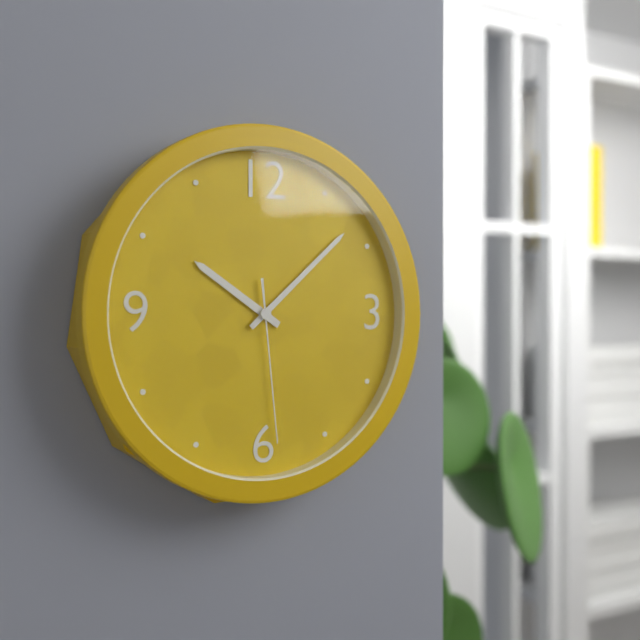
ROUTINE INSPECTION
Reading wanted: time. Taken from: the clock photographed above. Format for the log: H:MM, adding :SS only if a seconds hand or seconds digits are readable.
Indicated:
10:08:29
